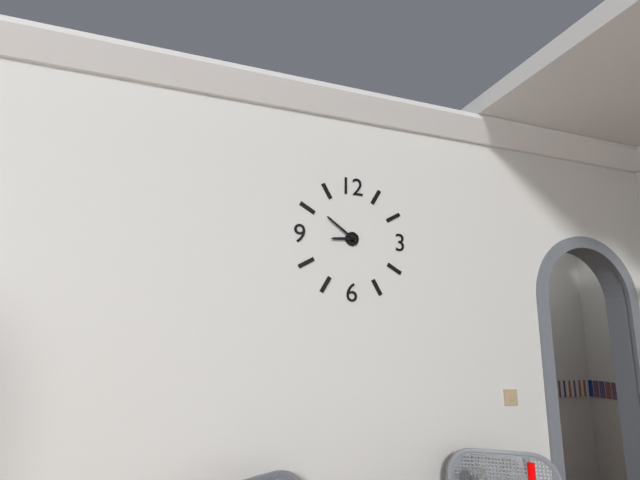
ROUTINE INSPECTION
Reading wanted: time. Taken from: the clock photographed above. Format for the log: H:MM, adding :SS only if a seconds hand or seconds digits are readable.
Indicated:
8:51
